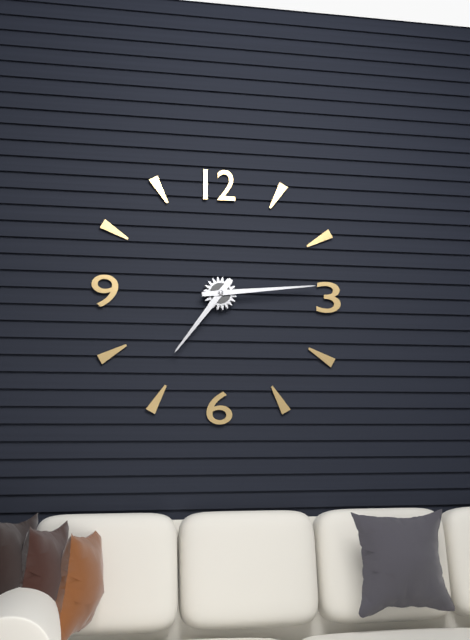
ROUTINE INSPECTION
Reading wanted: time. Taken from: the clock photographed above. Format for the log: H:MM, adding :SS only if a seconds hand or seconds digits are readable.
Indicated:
7:14
